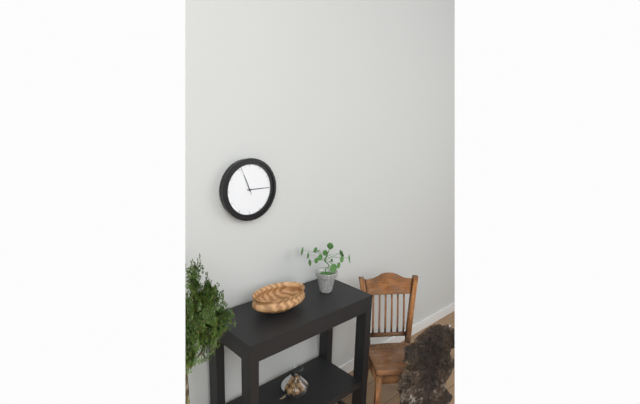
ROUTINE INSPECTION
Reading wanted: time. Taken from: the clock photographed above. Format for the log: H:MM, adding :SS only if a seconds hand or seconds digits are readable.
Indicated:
11:15
